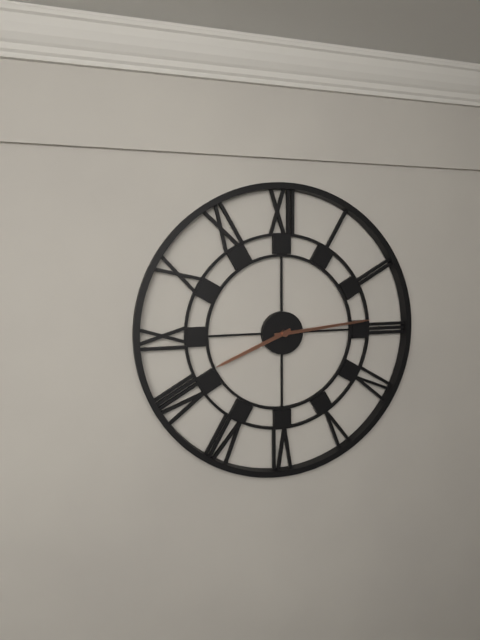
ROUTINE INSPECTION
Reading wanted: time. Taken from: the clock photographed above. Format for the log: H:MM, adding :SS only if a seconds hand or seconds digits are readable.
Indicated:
8:14
